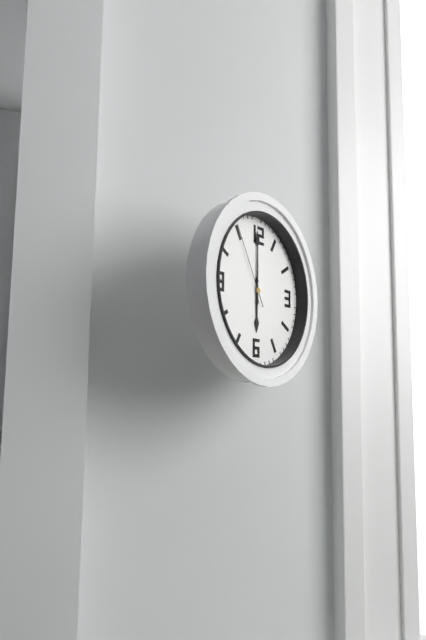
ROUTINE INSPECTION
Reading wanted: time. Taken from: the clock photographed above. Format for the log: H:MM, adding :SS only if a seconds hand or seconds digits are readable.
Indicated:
6:00:55
